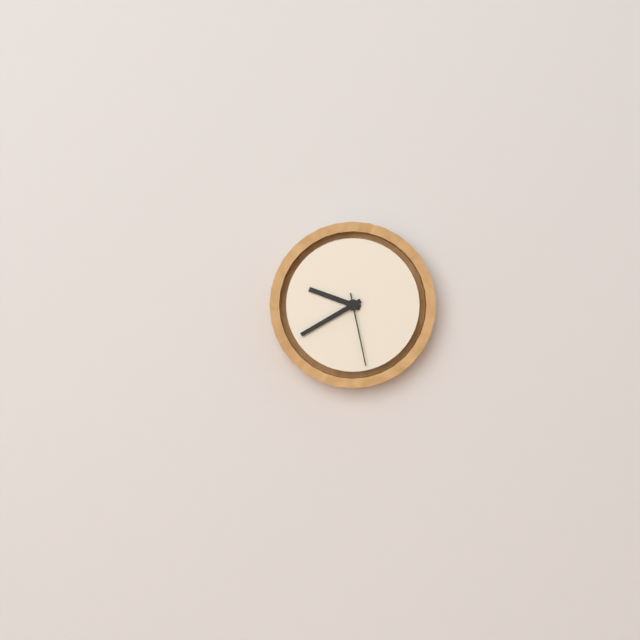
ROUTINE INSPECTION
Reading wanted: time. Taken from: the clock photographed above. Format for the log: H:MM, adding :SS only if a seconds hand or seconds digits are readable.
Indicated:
9:40:28
